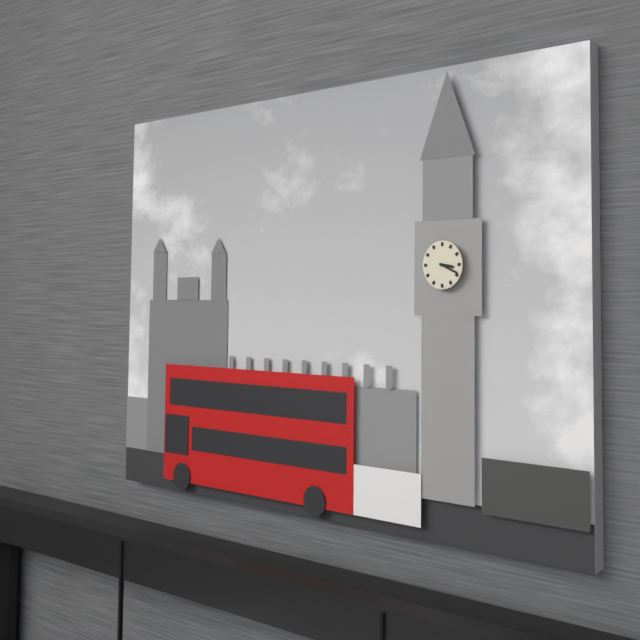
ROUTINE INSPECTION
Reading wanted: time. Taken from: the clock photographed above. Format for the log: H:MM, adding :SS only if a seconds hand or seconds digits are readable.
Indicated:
3:19
